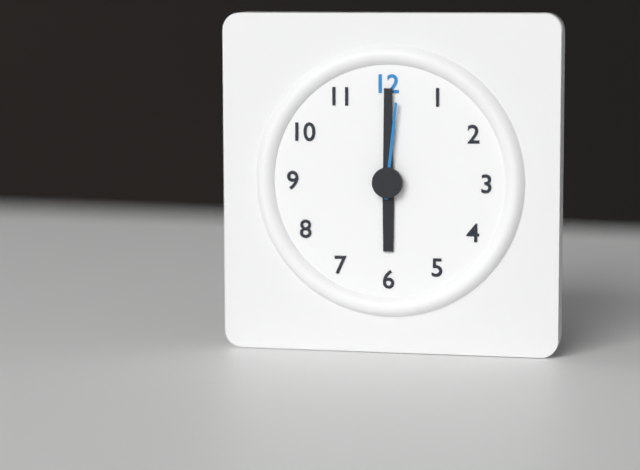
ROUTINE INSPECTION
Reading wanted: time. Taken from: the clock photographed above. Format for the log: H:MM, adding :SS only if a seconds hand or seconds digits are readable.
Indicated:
6:00:01
